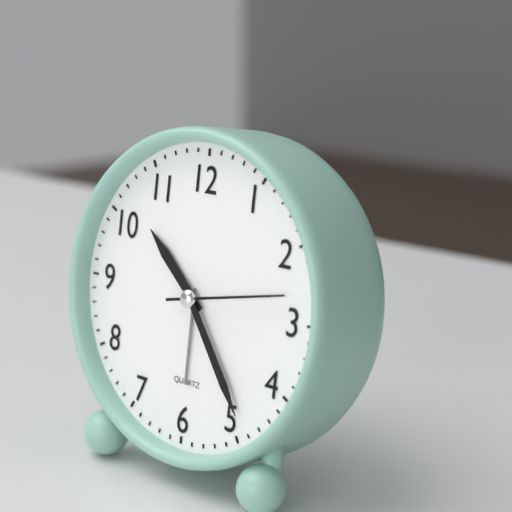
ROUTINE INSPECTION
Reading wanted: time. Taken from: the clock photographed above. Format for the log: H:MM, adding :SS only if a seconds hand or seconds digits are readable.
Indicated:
10:24:13
